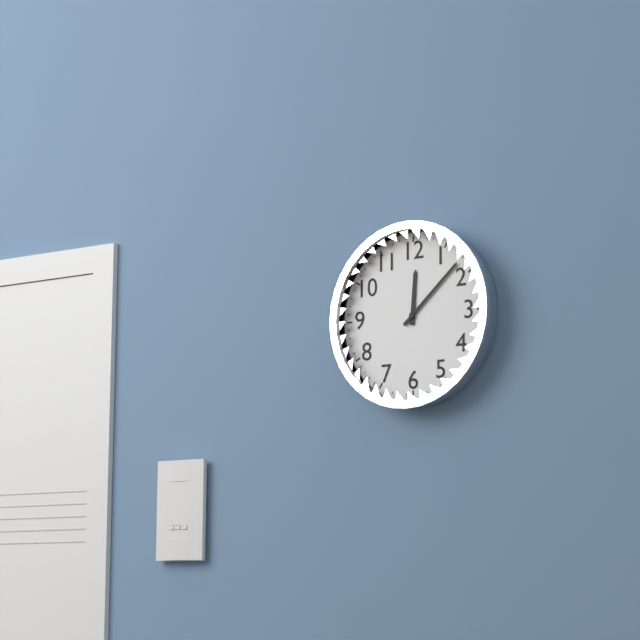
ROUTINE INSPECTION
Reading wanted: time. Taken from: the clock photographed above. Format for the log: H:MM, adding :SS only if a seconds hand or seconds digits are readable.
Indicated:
12:08
